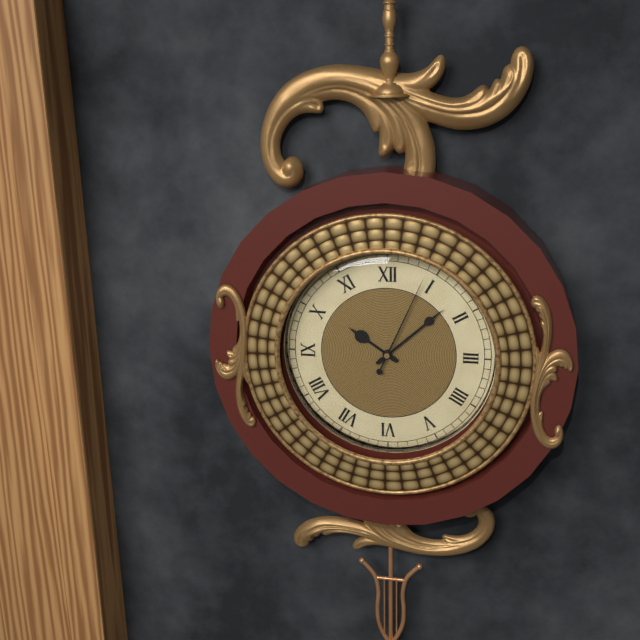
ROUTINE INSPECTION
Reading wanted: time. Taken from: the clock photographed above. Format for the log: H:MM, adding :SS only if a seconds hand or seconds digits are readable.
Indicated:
10:08:04
